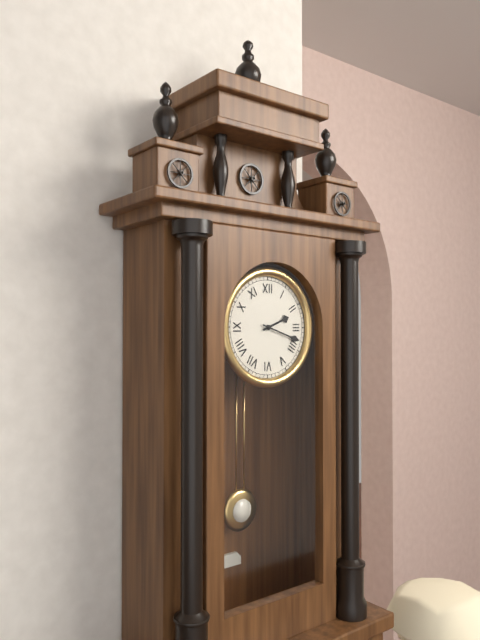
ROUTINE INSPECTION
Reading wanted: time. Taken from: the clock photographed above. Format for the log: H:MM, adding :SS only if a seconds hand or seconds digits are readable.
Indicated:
2:18
